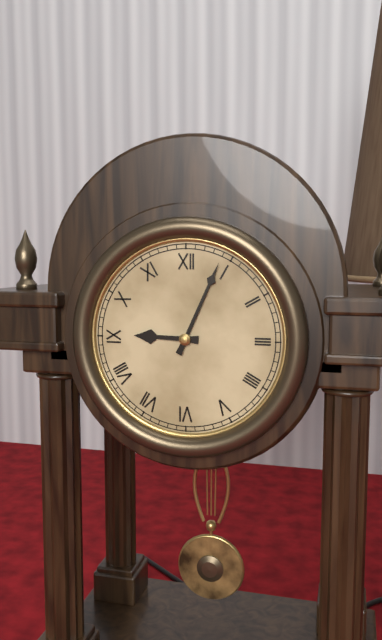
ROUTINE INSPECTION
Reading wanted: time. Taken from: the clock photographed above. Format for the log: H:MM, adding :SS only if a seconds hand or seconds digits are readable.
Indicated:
9:04
